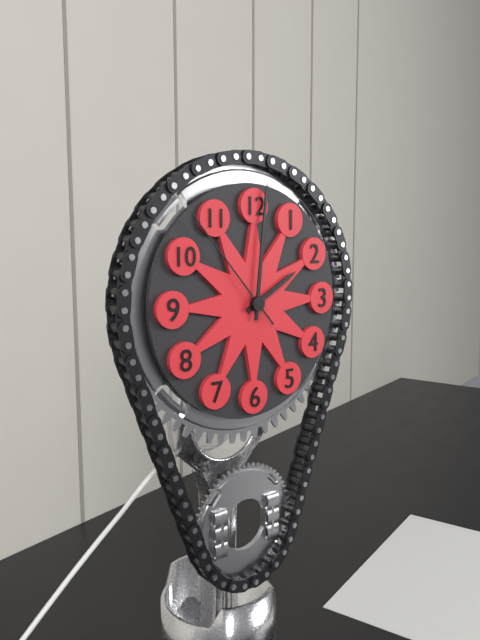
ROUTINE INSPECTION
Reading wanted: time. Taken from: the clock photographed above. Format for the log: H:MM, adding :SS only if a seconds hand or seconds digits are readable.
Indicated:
2:01:53
